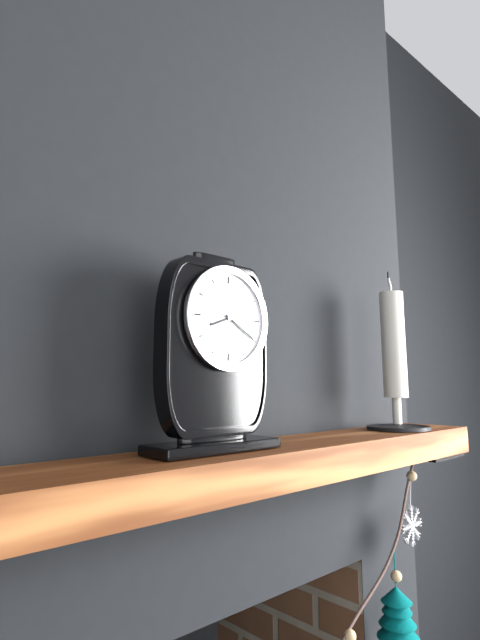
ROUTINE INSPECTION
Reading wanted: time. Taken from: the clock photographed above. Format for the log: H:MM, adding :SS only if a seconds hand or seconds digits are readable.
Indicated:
8:20
